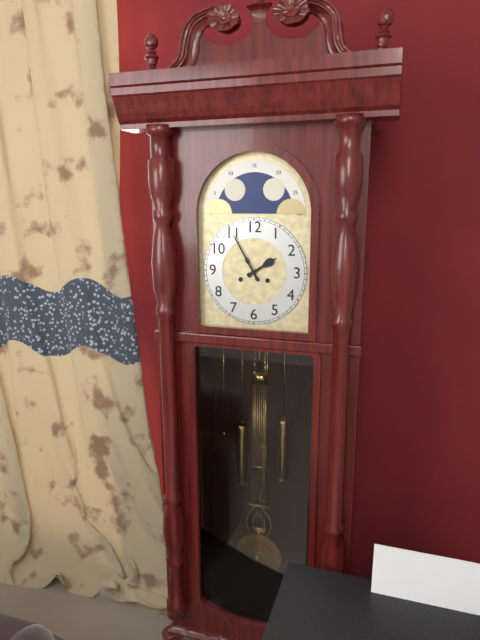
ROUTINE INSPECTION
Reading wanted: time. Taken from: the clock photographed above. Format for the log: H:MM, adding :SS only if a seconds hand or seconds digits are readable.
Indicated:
1:55
